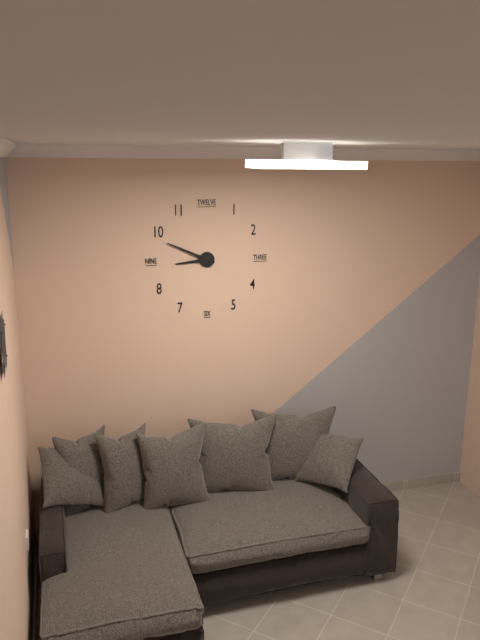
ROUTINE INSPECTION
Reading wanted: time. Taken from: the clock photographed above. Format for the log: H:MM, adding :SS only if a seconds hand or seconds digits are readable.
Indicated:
8:49
